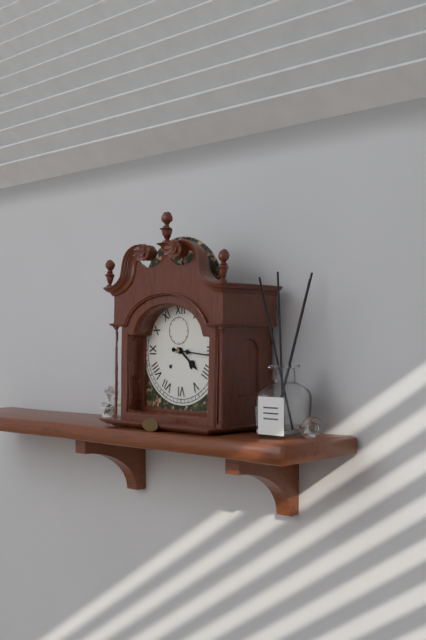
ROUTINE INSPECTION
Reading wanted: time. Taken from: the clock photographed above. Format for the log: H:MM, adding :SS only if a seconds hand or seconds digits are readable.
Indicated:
4:16
